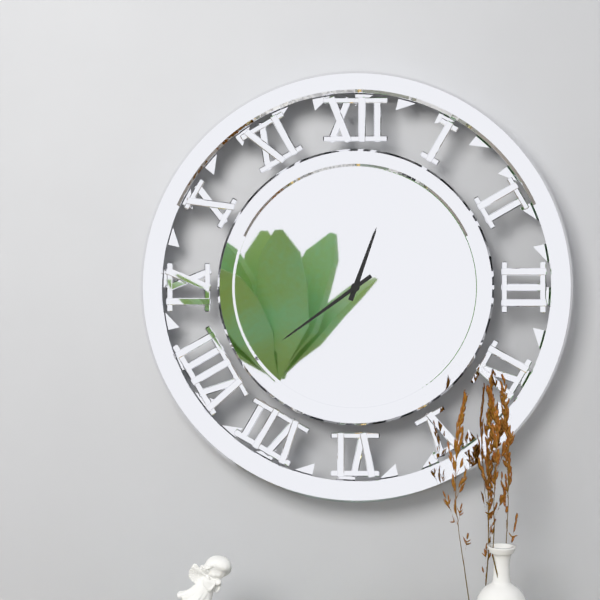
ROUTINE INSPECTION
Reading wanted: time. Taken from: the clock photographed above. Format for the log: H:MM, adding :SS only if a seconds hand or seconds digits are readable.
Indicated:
12:39
